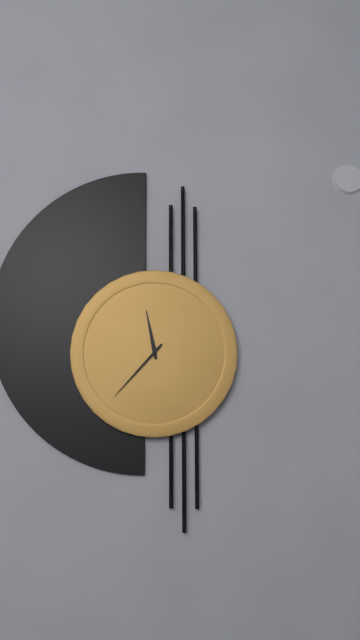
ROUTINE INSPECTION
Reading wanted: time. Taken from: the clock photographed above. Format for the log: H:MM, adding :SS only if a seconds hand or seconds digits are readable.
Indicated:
11:37
